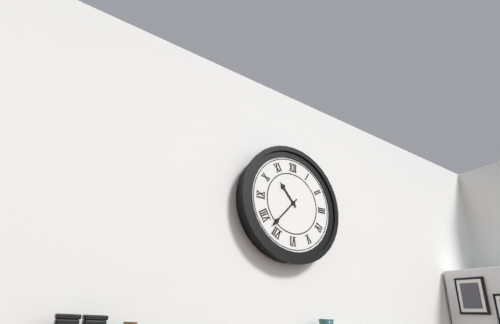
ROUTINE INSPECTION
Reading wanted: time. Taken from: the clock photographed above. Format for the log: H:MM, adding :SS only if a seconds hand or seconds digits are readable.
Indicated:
10:37
